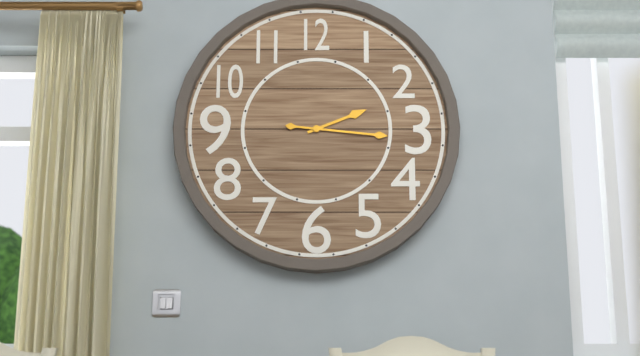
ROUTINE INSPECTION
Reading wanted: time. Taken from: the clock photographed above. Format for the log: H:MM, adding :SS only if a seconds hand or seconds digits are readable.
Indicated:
2:16
